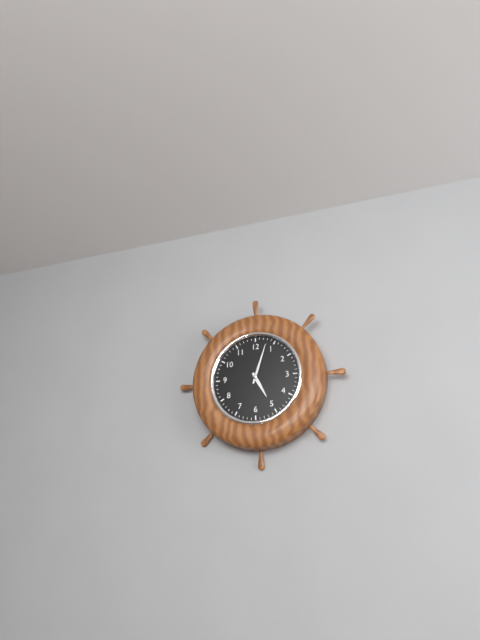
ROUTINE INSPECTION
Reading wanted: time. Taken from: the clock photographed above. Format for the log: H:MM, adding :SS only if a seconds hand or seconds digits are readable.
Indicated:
5:03
